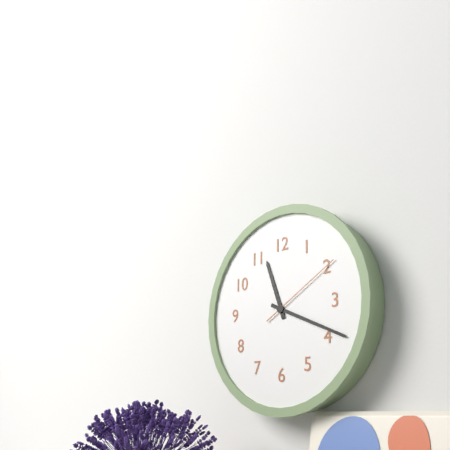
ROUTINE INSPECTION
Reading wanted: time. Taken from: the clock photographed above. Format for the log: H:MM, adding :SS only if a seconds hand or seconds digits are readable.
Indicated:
11:19:10
